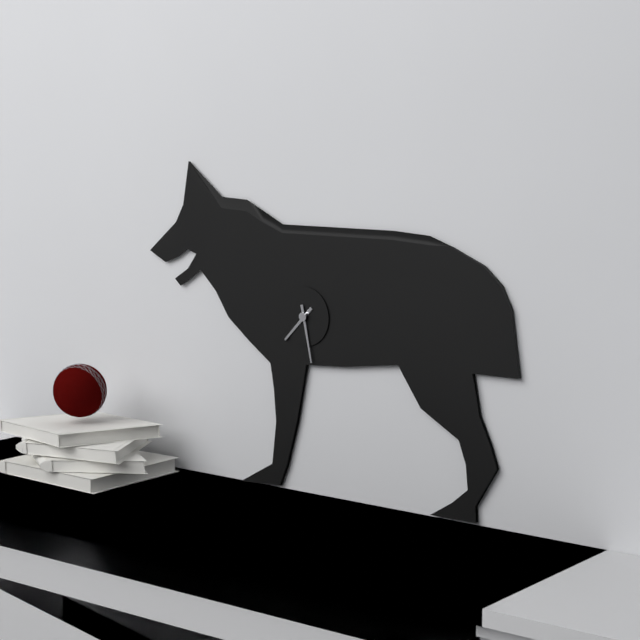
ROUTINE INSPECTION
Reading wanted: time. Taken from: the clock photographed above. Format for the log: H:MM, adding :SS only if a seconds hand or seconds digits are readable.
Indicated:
7:28
